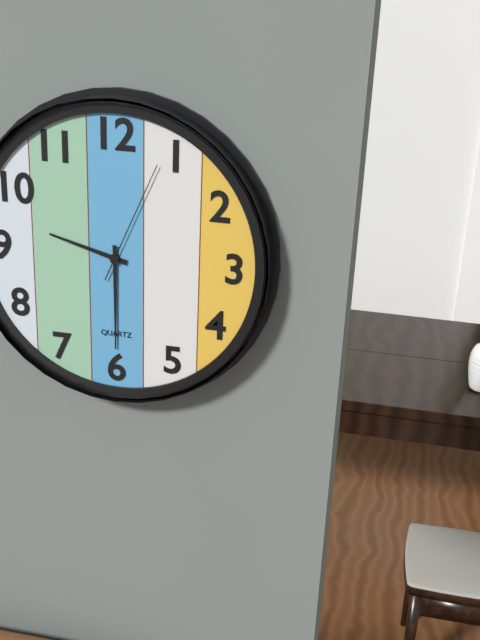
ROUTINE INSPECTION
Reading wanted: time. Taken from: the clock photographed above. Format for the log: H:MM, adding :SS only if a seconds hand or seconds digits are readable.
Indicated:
9:30:04
